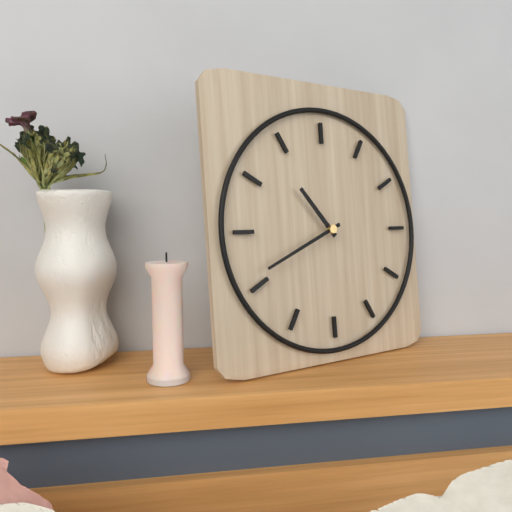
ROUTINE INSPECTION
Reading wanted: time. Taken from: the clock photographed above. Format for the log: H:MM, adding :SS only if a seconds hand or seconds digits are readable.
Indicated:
10:41
